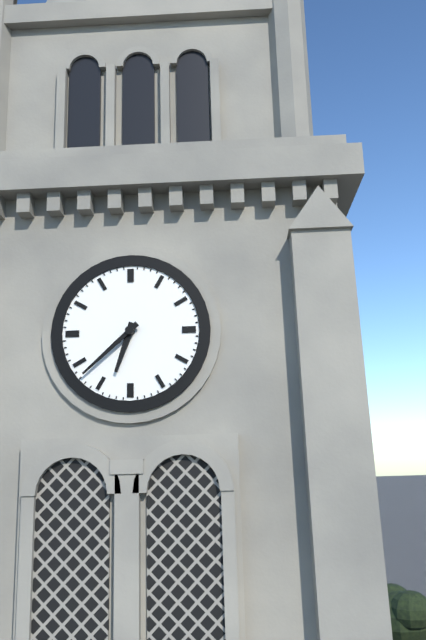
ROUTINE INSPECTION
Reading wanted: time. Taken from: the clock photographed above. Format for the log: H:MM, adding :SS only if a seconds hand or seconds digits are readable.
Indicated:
6:38
